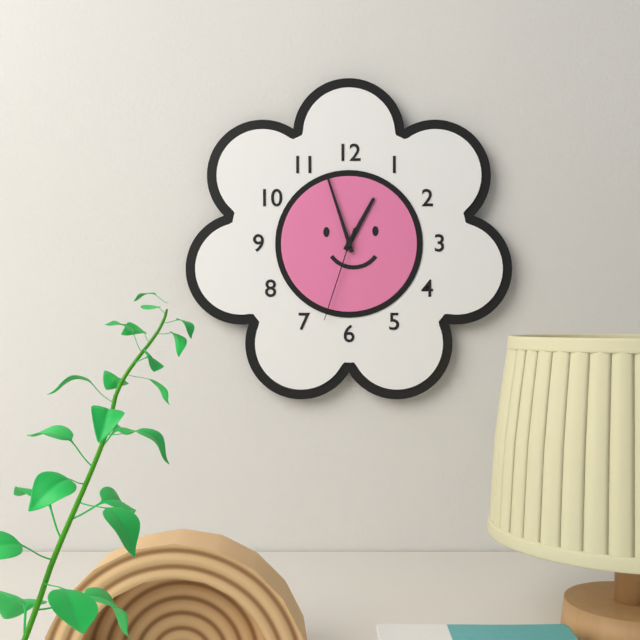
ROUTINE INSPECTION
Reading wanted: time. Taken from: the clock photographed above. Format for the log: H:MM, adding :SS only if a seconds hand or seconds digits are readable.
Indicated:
12:57:33
